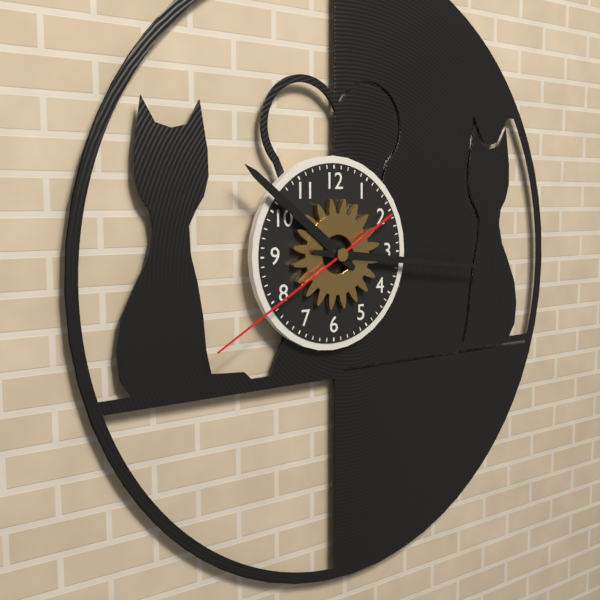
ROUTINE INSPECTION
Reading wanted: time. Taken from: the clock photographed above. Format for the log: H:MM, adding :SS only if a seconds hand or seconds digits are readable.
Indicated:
10:16:40
